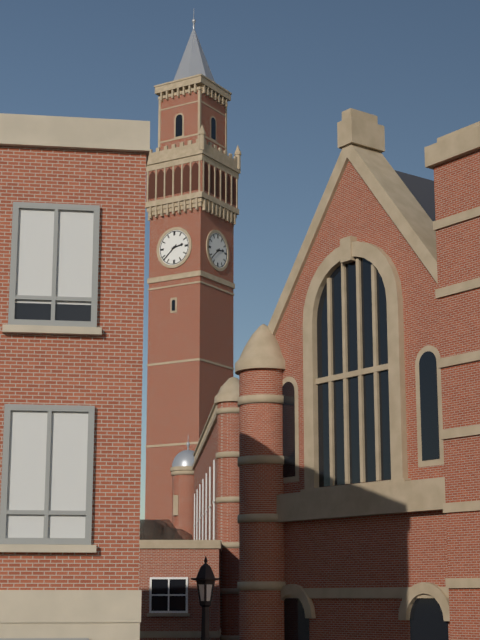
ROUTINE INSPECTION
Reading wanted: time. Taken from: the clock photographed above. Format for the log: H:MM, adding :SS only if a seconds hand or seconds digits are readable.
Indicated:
2:38
